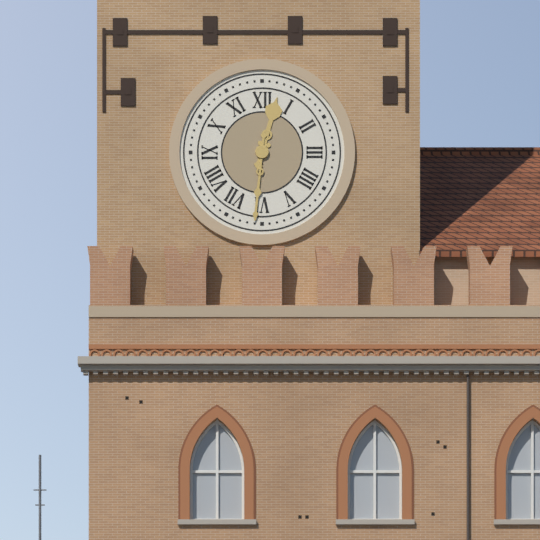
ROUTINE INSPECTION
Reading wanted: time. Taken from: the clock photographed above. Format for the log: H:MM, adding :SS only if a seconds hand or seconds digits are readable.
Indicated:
12:31
